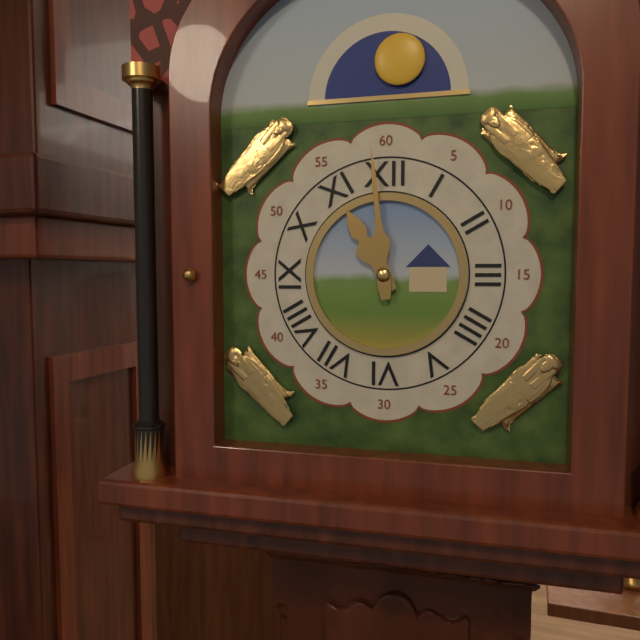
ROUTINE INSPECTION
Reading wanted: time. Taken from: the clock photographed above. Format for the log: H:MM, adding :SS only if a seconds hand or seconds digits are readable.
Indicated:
10:59
